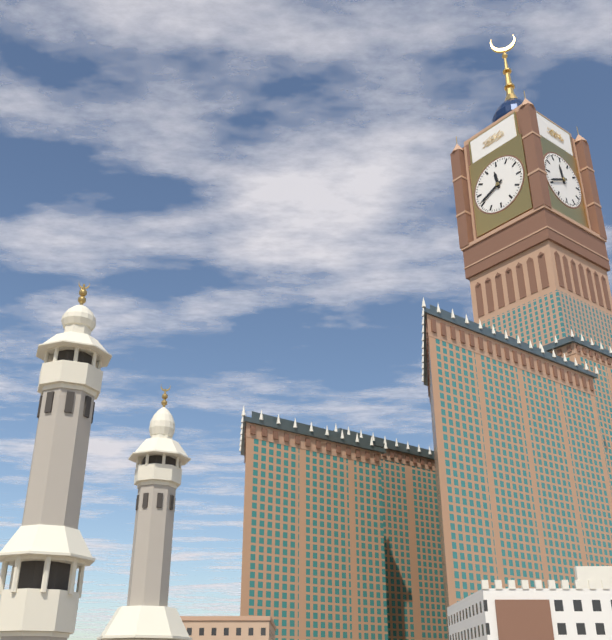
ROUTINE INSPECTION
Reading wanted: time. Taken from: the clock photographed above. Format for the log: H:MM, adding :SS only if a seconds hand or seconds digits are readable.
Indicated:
11:41
